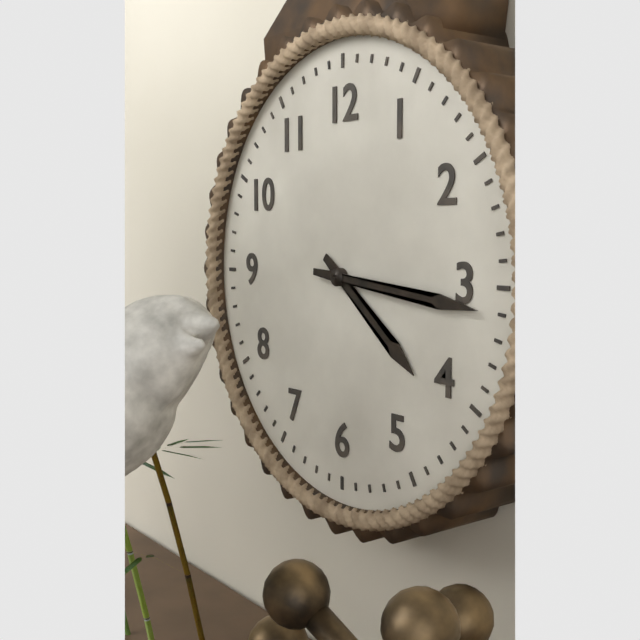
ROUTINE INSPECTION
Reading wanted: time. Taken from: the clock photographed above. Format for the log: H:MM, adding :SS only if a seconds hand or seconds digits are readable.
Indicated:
4:16
